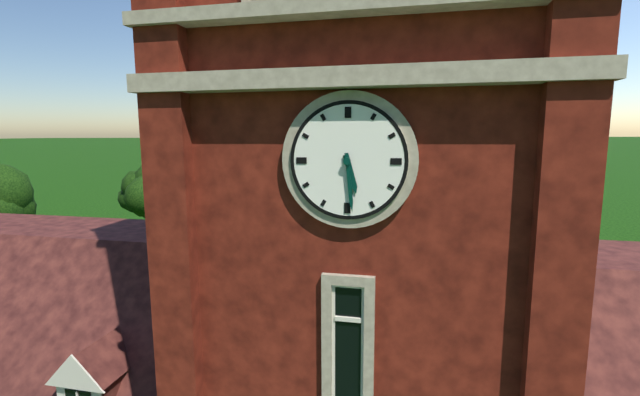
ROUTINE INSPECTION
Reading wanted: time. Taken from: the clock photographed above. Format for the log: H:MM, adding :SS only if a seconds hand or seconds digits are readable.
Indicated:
5:29
